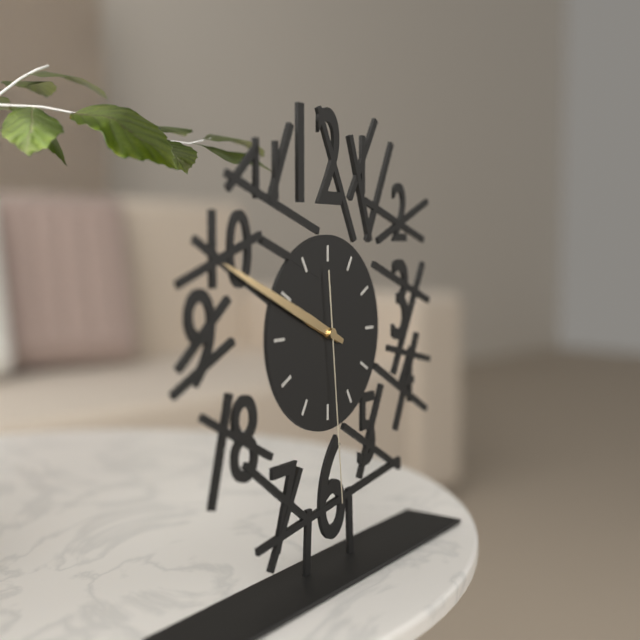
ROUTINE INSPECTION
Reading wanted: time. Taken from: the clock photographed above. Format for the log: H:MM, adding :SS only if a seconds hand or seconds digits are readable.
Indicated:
9:49:29
